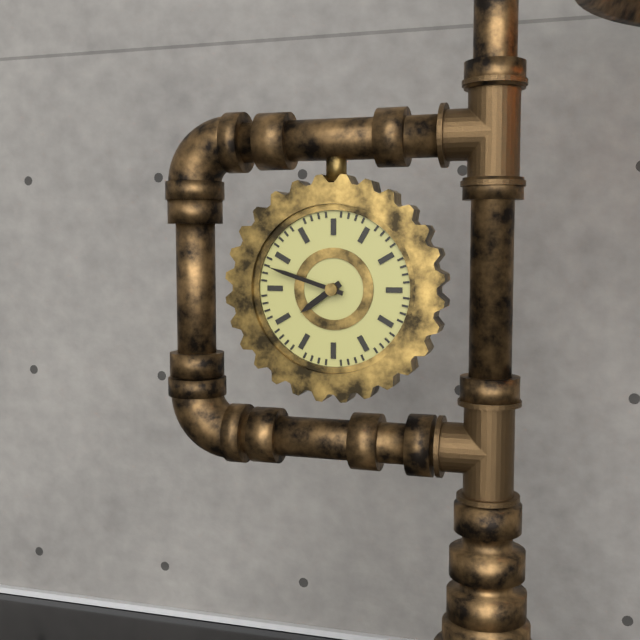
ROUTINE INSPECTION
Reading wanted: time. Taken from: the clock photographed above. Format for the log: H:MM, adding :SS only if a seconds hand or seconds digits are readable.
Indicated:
7:48
